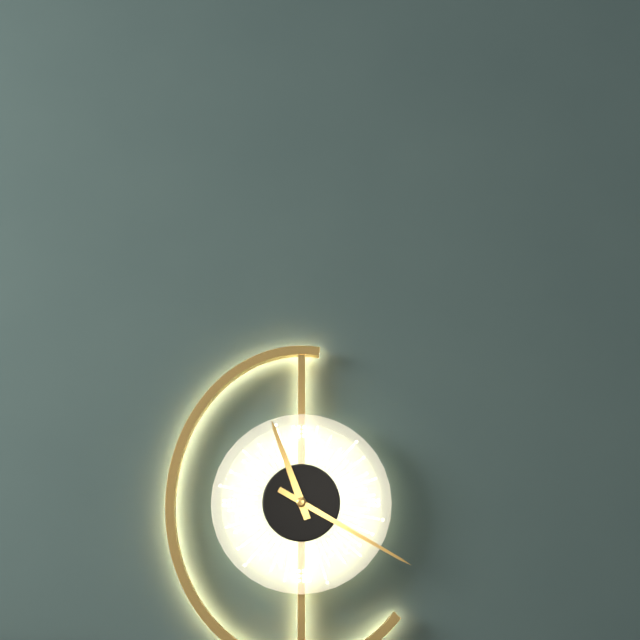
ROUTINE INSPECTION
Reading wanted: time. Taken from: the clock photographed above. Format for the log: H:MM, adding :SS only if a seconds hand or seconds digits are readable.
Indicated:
11:20
